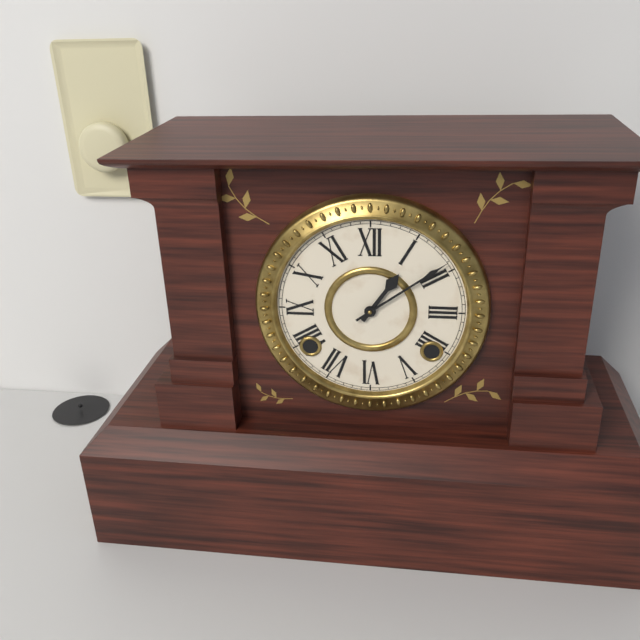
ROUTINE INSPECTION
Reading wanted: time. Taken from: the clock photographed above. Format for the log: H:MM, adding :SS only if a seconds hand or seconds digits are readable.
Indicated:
1:09
